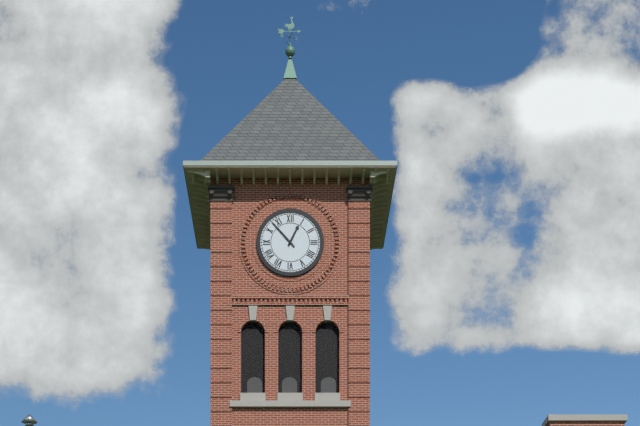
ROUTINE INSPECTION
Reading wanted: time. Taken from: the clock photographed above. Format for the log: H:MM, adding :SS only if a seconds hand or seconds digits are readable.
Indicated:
12:53
